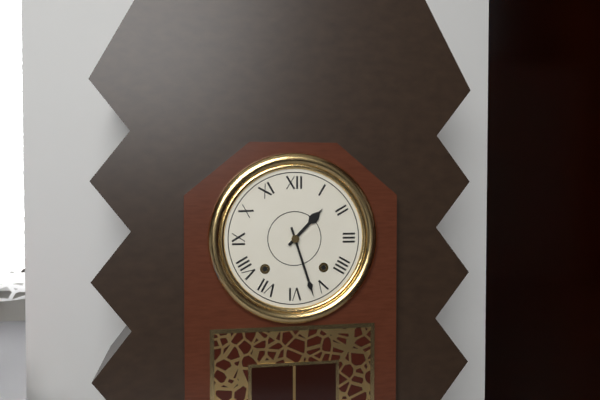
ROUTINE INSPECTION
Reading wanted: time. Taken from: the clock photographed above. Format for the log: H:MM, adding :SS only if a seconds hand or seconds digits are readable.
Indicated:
1:27
